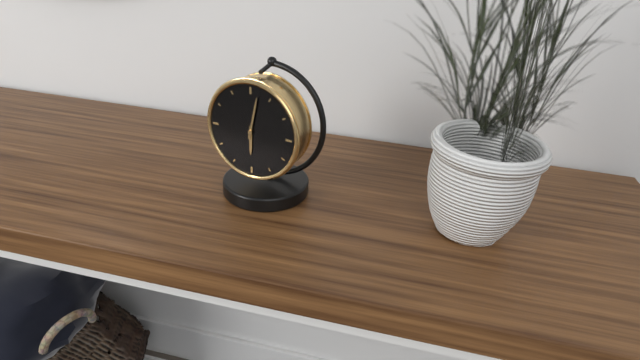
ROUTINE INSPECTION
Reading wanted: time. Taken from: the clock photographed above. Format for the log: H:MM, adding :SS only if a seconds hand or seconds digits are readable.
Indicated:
6:02
